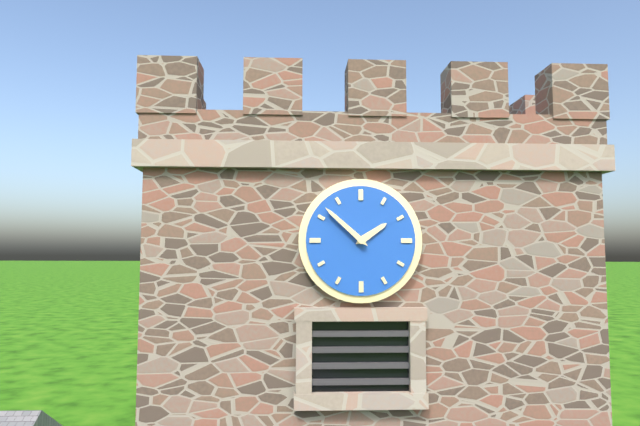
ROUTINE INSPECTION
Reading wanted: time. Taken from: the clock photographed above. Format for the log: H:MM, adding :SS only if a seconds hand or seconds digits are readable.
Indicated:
1:52
